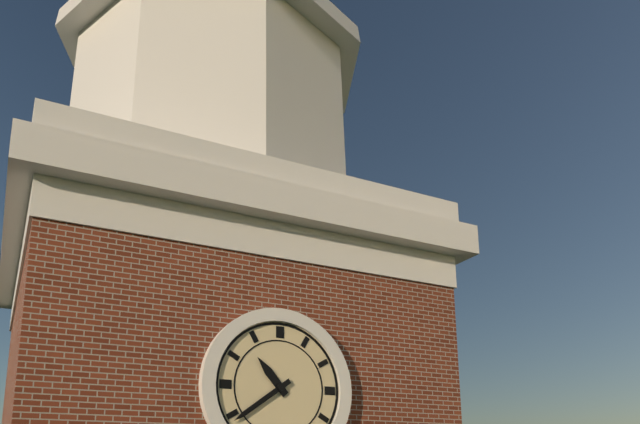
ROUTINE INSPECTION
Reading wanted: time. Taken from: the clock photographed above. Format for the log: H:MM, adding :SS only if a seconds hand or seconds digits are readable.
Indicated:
10:39
